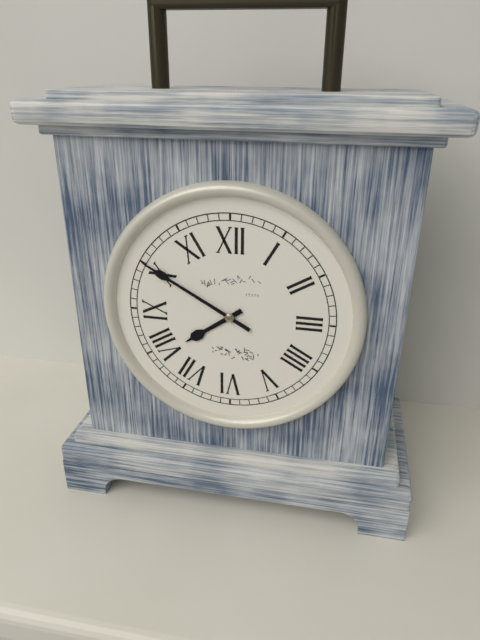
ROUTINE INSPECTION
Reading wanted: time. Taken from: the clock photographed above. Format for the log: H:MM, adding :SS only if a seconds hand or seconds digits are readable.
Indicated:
7:50
